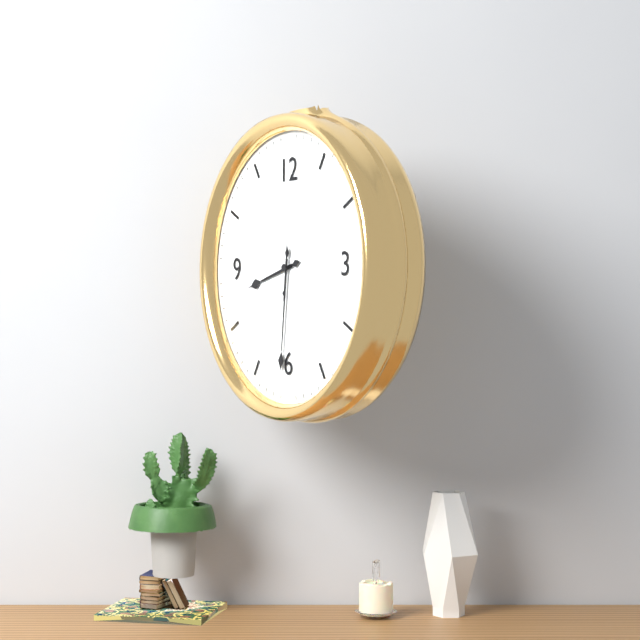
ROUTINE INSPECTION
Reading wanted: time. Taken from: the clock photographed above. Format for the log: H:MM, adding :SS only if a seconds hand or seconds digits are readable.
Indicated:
8:31:01
